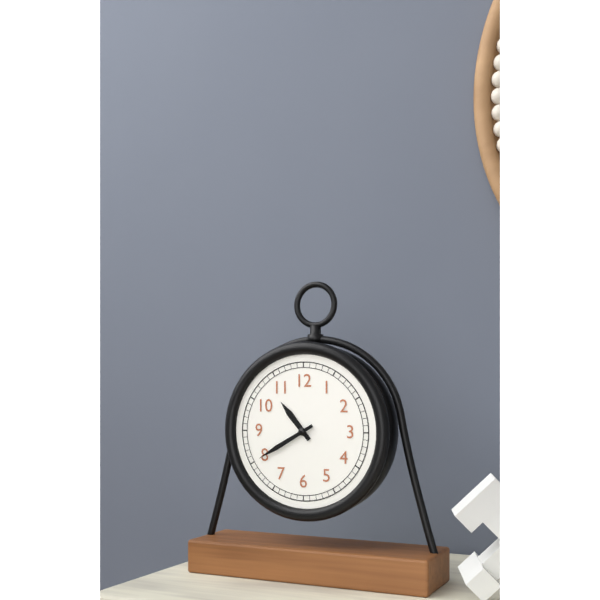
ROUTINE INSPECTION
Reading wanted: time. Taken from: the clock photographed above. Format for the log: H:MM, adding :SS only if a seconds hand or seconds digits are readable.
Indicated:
10:40
